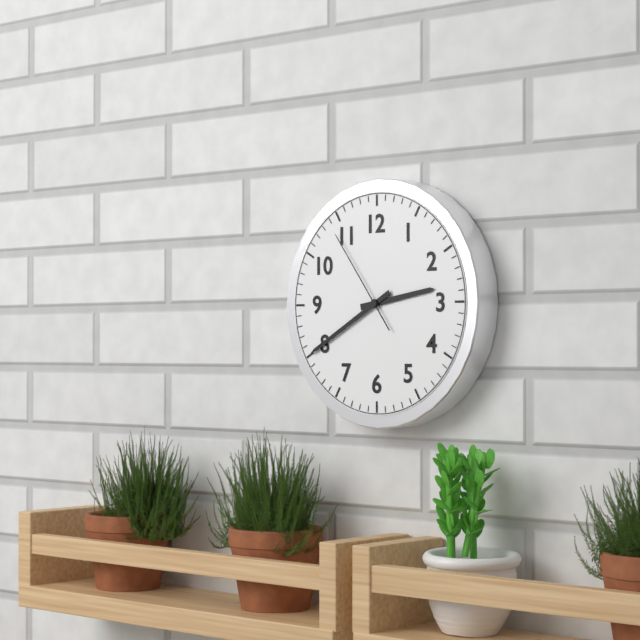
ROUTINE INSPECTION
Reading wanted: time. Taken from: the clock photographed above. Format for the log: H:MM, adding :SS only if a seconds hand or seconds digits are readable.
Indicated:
2:40:54
